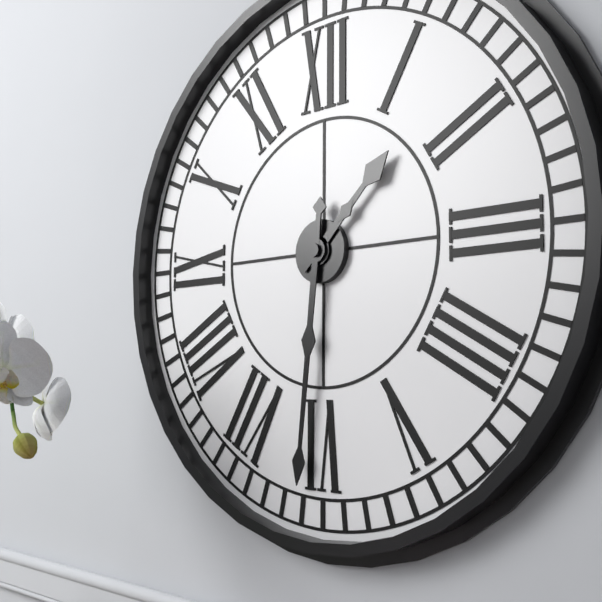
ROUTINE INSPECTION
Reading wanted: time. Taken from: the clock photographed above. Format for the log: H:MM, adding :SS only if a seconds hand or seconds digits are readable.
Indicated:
1:31
